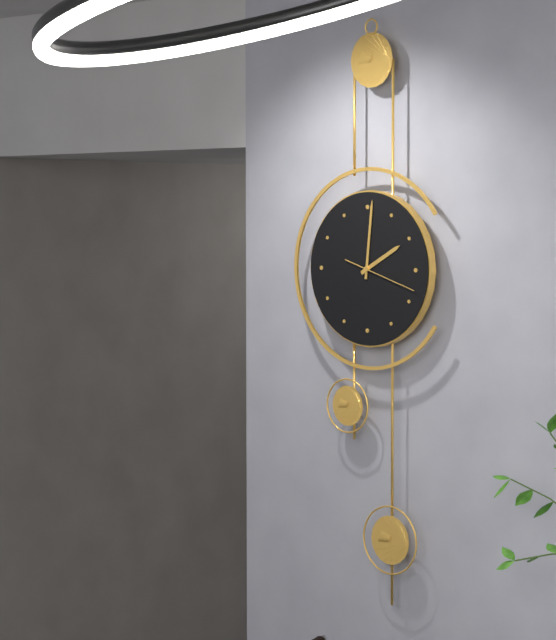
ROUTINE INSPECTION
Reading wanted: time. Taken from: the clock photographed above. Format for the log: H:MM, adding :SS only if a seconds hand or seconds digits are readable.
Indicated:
2:01:18
